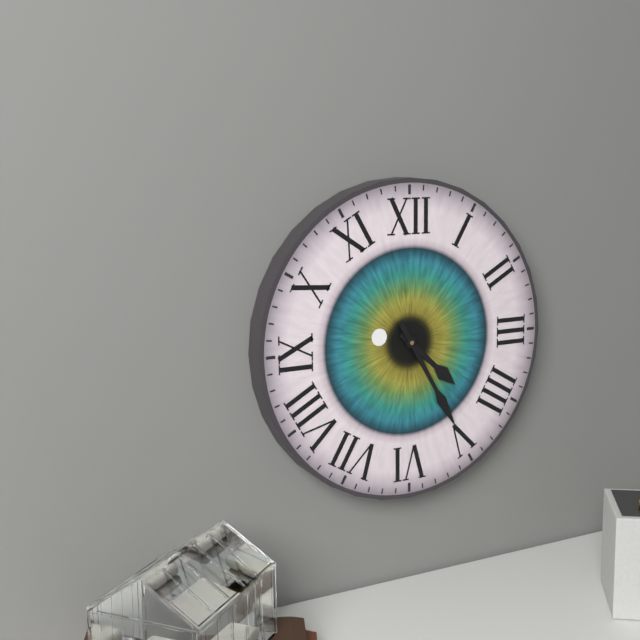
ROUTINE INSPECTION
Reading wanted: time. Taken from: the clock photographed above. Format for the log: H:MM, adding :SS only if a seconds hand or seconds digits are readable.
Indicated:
4:25
